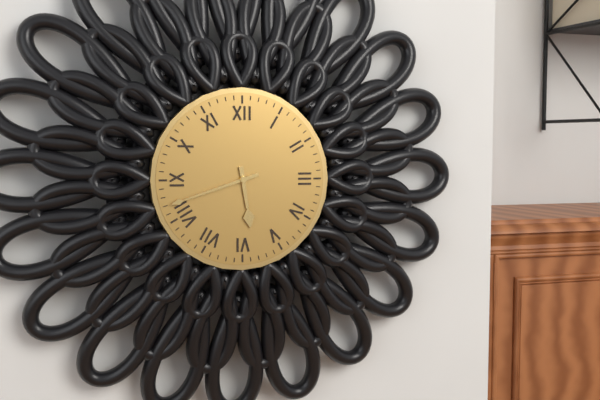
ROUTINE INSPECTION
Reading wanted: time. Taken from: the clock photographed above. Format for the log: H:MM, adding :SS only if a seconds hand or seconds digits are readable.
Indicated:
5:42
